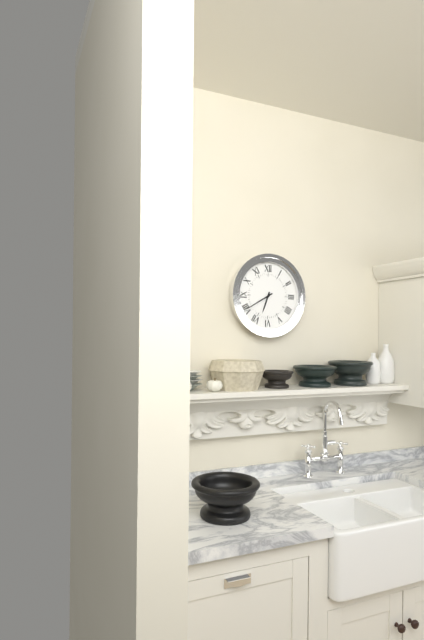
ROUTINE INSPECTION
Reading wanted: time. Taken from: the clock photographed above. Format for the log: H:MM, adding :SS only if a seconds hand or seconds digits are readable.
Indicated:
6:40
